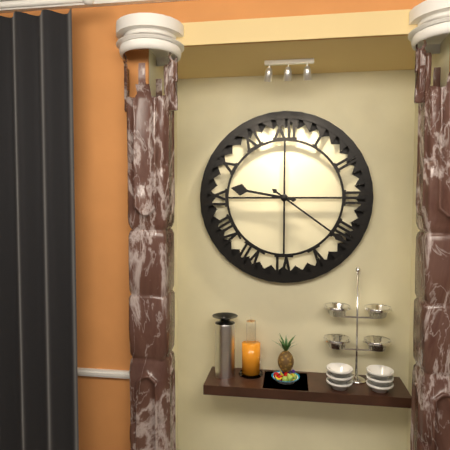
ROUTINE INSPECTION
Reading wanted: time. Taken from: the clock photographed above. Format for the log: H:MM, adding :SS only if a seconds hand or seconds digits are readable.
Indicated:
9:21
